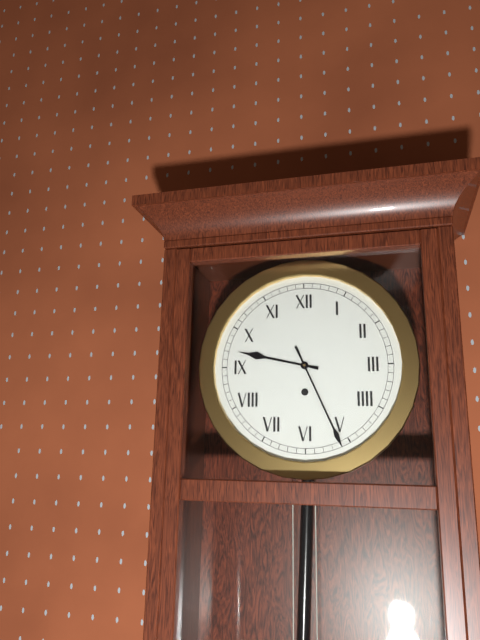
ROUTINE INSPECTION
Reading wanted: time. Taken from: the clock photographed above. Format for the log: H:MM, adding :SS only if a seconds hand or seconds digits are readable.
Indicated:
9:26
